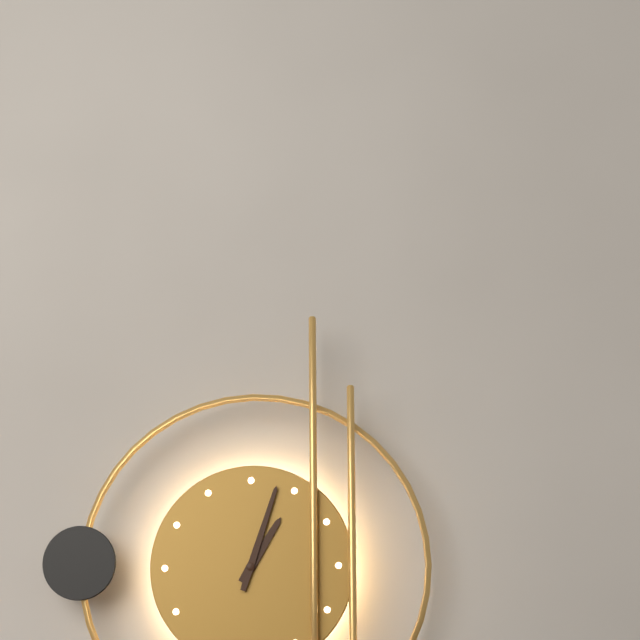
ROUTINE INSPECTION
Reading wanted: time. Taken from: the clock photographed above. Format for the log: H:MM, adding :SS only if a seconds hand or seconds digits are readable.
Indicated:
1:03
